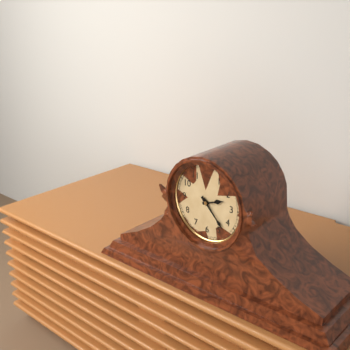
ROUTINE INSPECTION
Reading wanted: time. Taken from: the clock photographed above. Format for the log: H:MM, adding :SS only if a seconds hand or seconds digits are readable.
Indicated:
2:23
